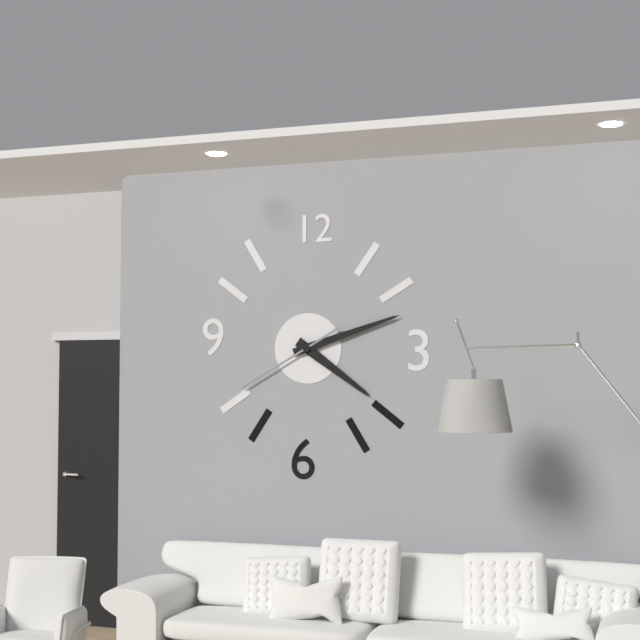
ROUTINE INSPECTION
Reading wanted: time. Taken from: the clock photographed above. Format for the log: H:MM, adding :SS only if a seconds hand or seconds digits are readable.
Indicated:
4:12:40
